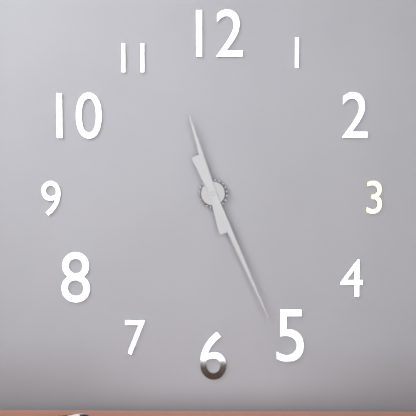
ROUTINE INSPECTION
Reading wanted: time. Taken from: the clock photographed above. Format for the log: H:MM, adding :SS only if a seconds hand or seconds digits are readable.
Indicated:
11:26
